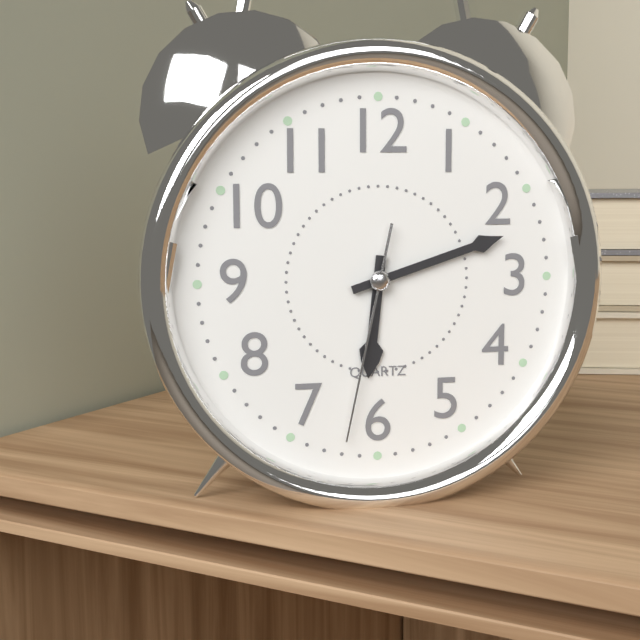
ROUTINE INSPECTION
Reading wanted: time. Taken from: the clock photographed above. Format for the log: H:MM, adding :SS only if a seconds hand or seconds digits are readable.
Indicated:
6:12:32
